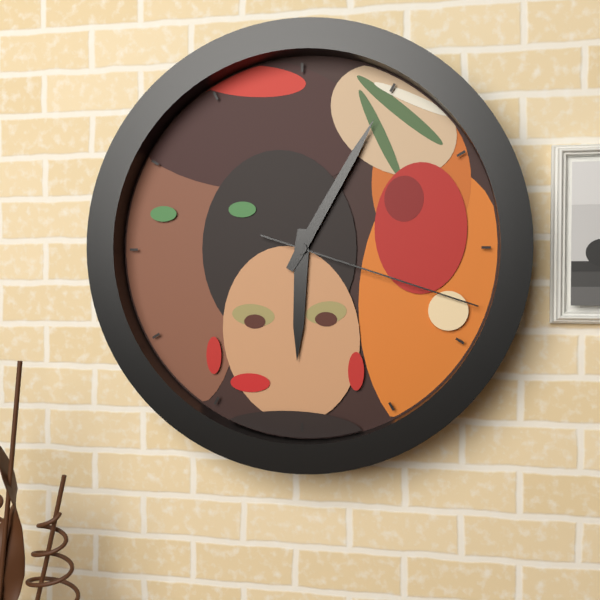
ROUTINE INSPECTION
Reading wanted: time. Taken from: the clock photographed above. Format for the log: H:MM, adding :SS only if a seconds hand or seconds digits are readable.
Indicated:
6:05:18
